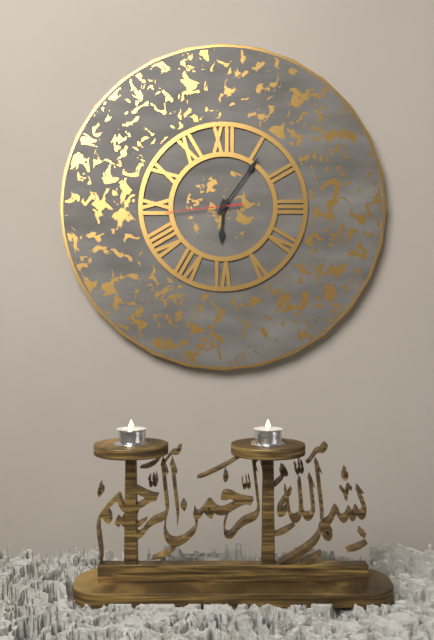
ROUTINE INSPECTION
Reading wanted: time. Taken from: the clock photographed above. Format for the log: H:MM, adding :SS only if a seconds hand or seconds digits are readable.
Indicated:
6:06:44
